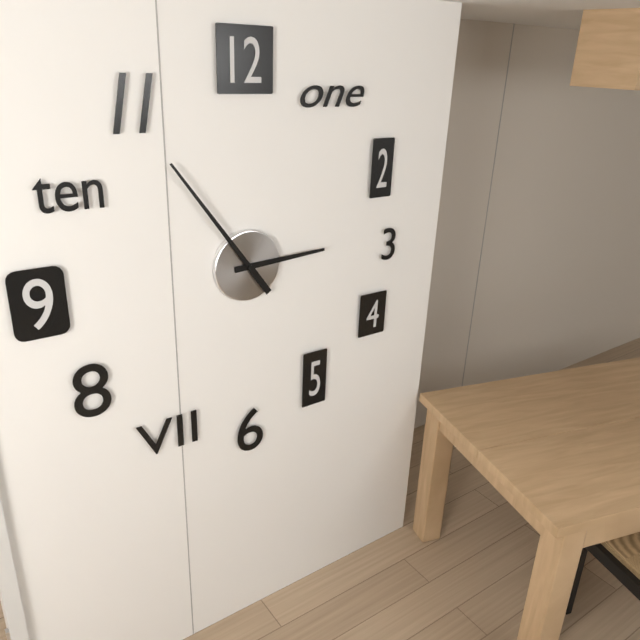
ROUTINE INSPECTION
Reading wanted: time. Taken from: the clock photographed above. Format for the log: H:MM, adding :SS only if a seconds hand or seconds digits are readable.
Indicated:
2:54
